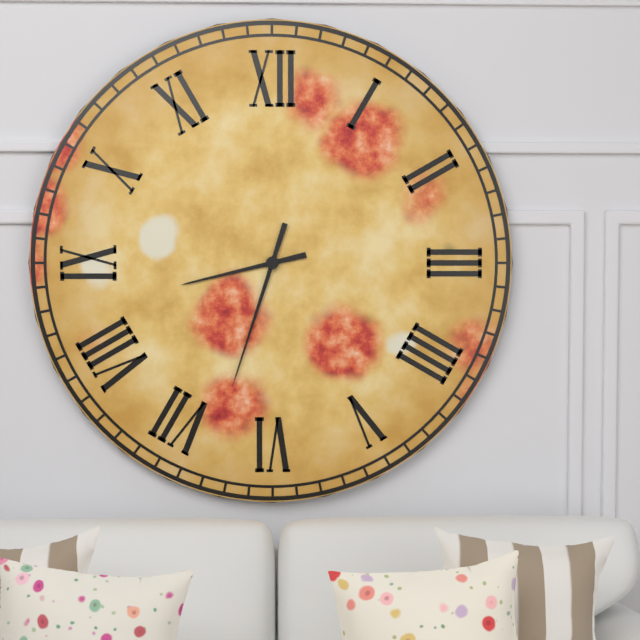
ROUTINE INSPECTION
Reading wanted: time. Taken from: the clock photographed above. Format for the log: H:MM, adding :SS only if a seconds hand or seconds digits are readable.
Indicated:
8:33
